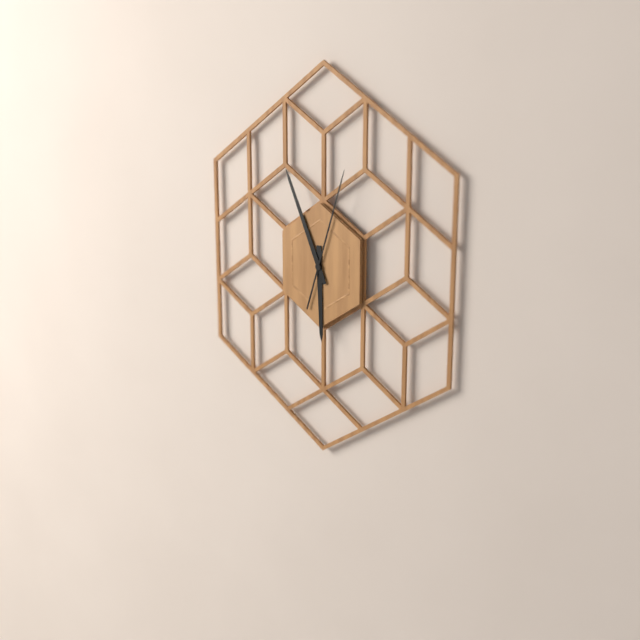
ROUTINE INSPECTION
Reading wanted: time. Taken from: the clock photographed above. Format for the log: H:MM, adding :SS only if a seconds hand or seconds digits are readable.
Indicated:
5:56:03
